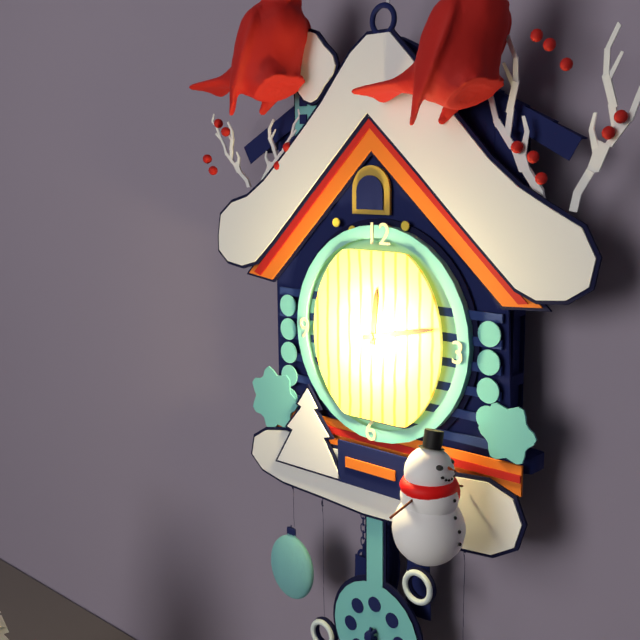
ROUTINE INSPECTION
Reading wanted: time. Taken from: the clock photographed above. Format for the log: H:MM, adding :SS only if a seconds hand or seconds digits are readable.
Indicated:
12:13
